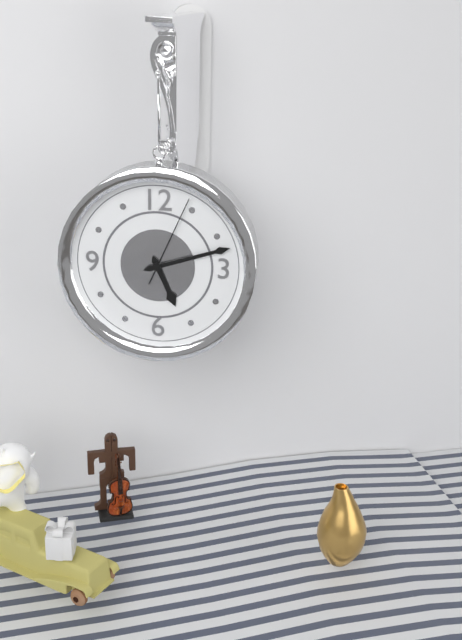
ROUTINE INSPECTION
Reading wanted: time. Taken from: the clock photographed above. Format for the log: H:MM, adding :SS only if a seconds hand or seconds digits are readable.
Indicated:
5:12:04
